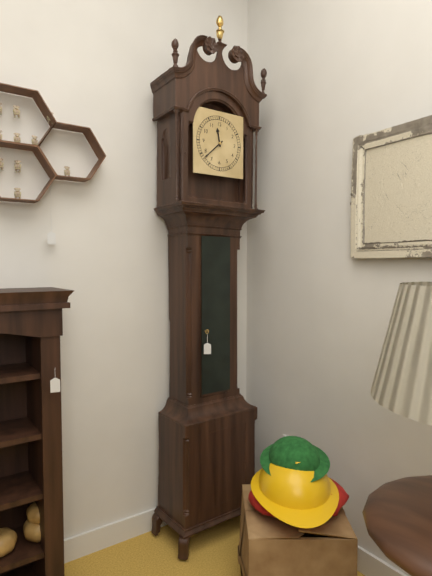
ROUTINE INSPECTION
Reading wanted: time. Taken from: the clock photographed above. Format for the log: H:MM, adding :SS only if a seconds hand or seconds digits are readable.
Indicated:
11:38
